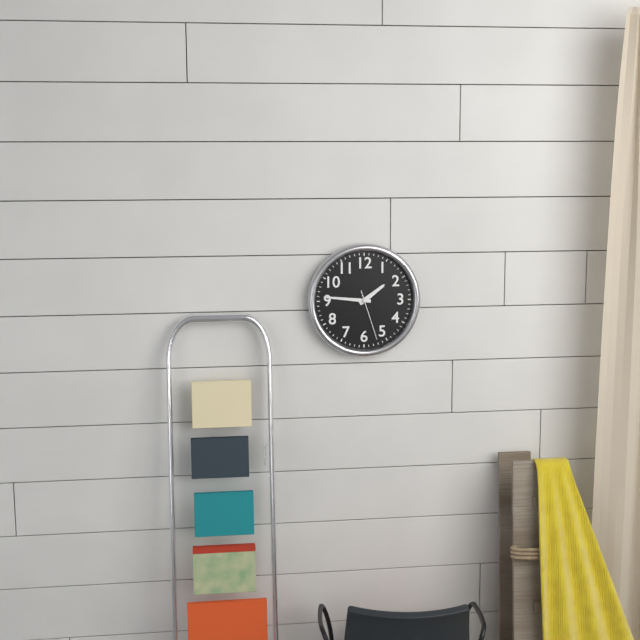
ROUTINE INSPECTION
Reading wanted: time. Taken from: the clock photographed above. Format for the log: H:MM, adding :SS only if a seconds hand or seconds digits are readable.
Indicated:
1:46:27
